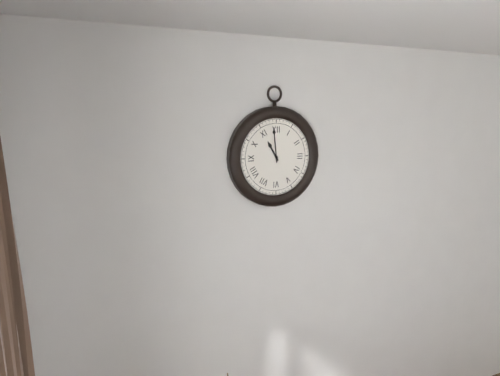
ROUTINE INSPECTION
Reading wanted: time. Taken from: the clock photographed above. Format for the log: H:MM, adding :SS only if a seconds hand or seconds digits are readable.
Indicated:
10:59
